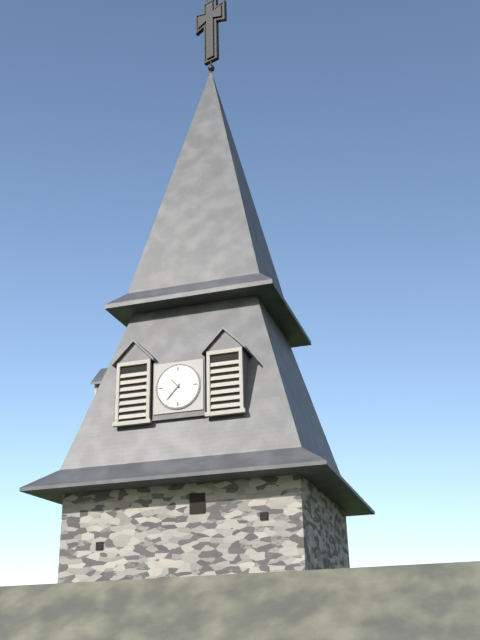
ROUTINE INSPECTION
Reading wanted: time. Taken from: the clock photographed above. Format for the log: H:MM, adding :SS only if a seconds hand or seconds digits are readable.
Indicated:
10:37
